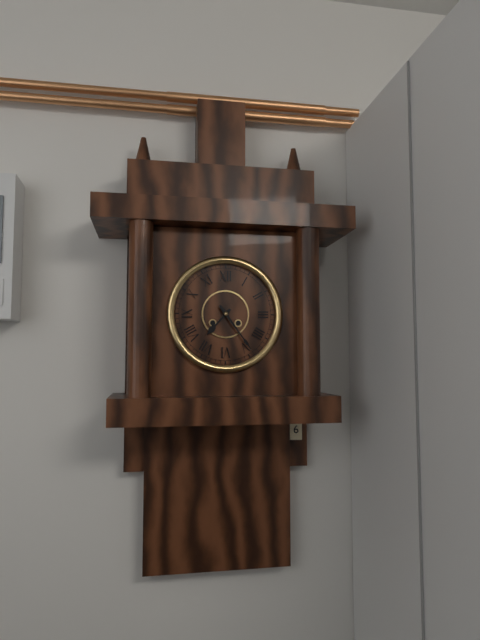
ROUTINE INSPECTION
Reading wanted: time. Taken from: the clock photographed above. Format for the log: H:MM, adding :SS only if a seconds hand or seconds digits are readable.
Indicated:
7:24
